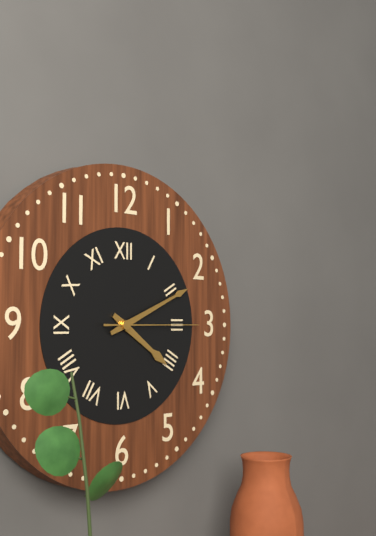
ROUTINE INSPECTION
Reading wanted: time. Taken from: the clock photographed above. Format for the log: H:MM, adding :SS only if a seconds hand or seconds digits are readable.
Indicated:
4:11:15
